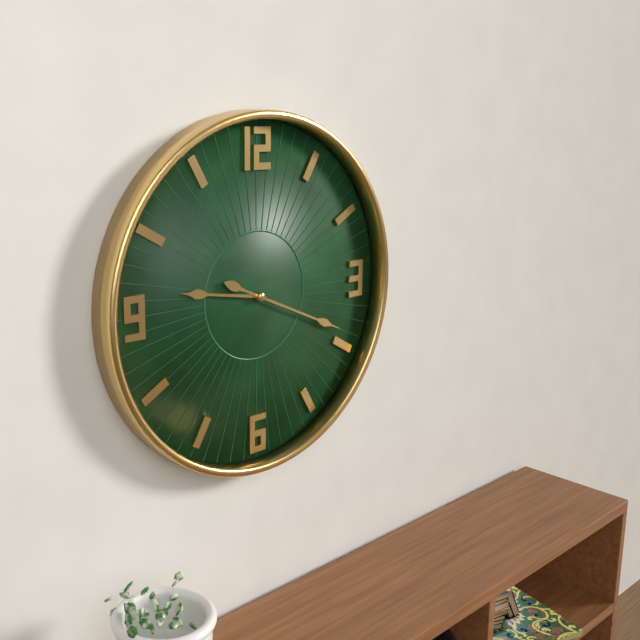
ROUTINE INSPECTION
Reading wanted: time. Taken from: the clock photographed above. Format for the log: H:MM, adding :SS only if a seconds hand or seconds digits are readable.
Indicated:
9:19
